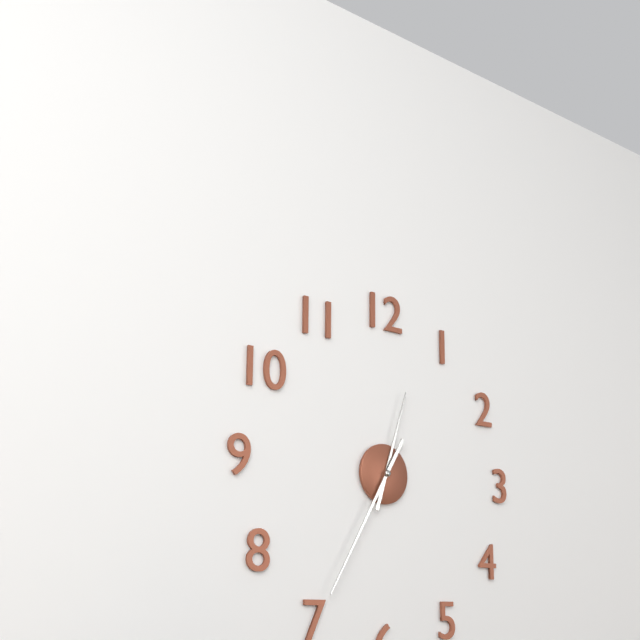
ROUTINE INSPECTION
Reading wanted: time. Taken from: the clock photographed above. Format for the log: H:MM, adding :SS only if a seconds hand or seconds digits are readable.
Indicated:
12:35
